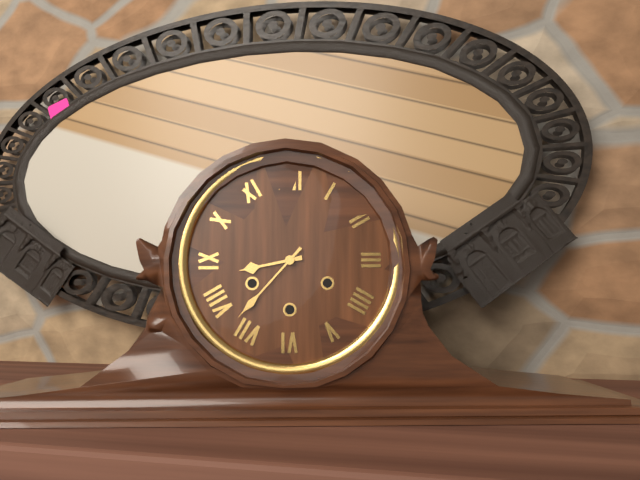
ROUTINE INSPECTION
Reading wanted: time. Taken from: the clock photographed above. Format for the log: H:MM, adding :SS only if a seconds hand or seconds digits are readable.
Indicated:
8:37
